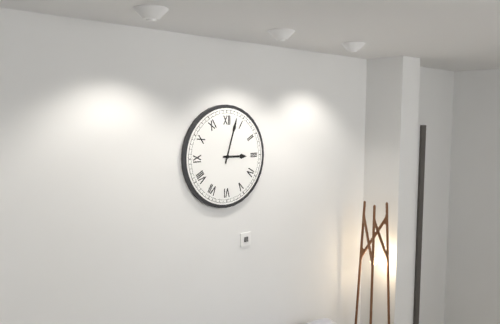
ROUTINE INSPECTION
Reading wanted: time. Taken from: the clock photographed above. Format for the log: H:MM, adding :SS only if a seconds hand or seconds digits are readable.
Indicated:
3:03
